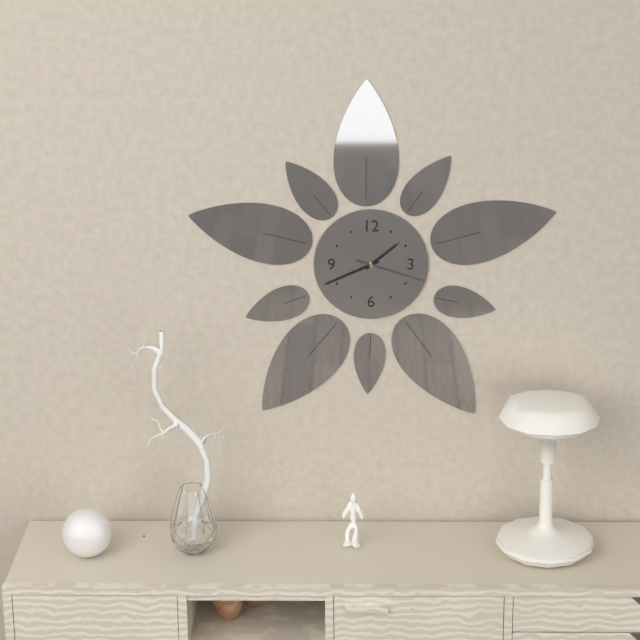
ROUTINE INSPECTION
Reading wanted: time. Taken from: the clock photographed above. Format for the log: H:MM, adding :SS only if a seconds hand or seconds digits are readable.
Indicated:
1:41:18
